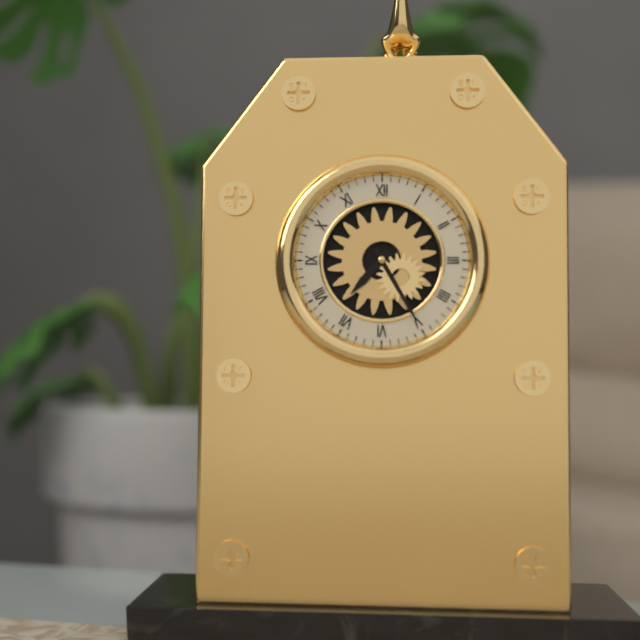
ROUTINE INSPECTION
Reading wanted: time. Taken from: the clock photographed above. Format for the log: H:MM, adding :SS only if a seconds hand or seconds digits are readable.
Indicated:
7:25
